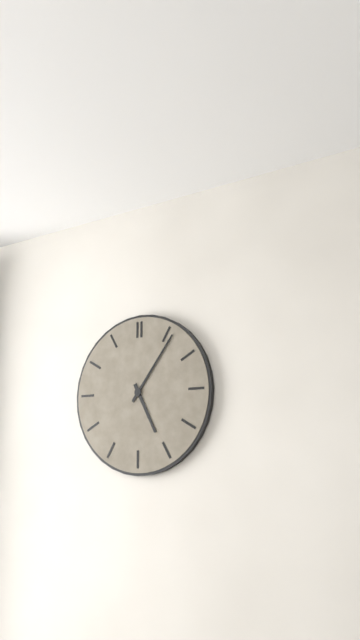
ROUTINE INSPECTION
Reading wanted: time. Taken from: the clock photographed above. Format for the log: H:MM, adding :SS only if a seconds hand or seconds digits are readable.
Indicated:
5:06
